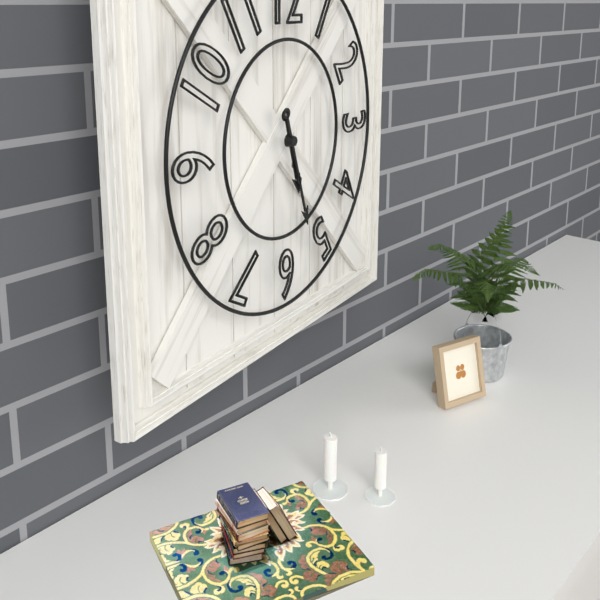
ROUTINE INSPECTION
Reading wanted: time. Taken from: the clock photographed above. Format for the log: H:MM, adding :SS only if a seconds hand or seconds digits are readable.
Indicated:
5:27
